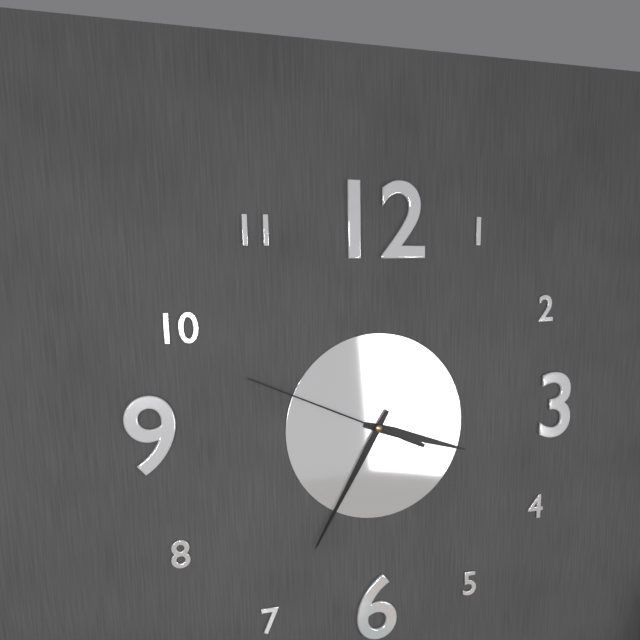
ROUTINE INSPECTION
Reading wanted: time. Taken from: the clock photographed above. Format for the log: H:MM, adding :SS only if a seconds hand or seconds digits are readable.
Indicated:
3:35:49
